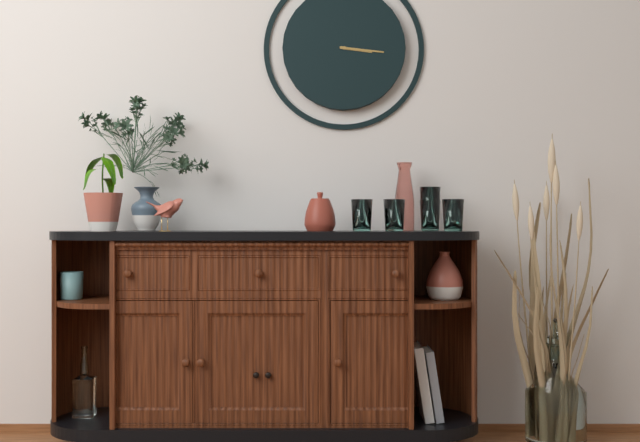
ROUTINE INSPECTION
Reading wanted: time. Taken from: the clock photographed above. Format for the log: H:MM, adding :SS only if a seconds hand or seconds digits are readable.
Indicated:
3:16
